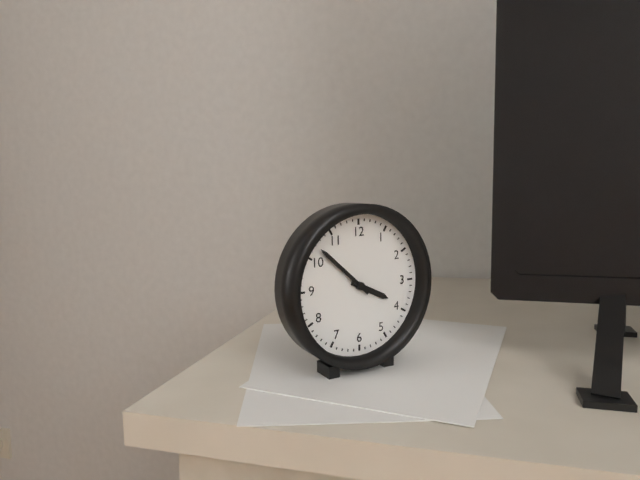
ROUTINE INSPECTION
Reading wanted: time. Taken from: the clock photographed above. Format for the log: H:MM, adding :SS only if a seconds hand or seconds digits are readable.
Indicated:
3:52
